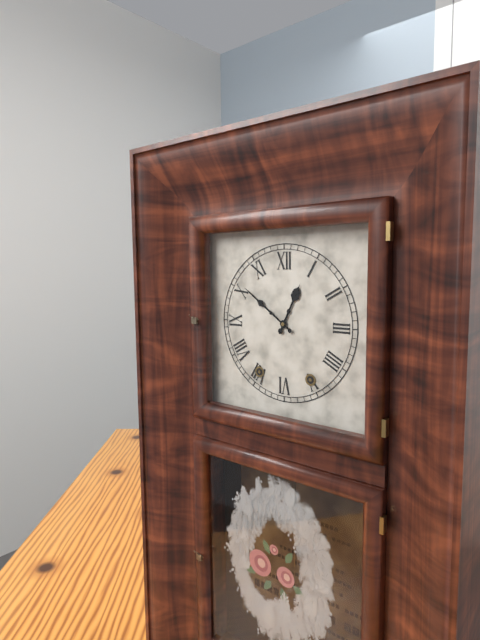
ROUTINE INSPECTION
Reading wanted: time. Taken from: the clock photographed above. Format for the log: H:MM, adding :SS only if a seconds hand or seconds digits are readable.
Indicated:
12:51
